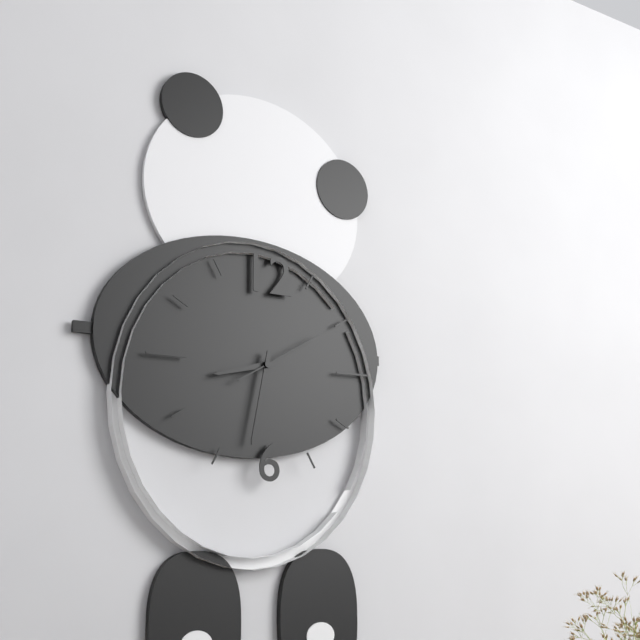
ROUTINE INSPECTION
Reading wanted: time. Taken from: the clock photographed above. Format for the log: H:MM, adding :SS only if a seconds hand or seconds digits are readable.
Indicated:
8:32:10
